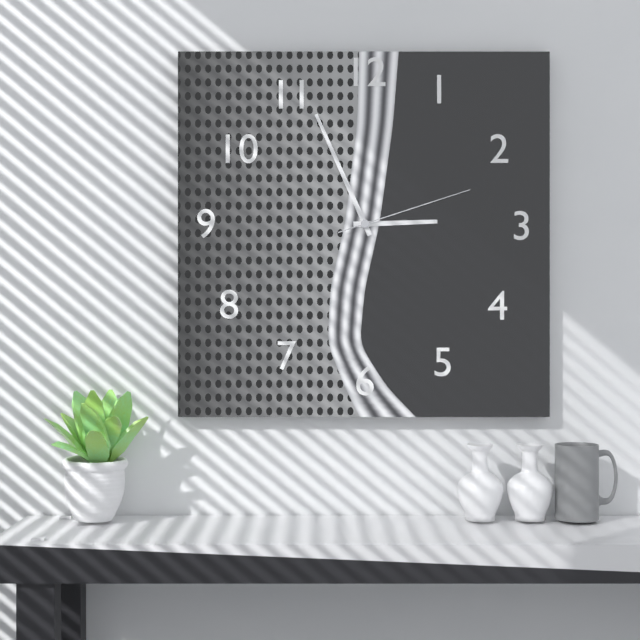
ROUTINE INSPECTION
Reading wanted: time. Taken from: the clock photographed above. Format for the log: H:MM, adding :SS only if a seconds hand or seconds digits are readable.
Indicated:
2:56:12
